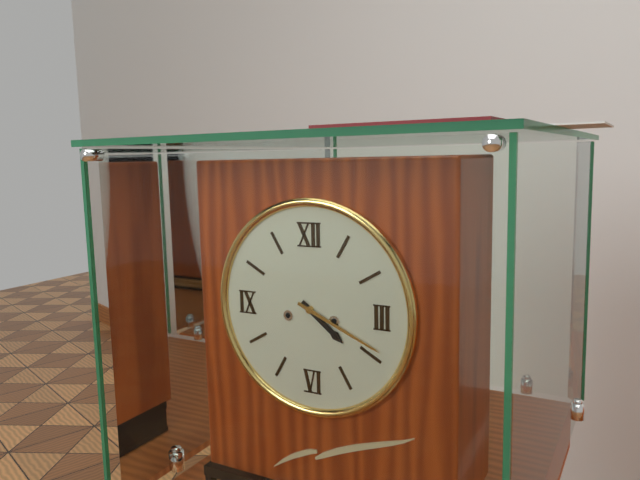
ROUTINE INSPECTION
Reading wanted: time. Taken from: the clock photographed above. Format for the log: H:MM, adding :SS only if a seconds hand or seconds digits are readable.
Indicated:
4:19
